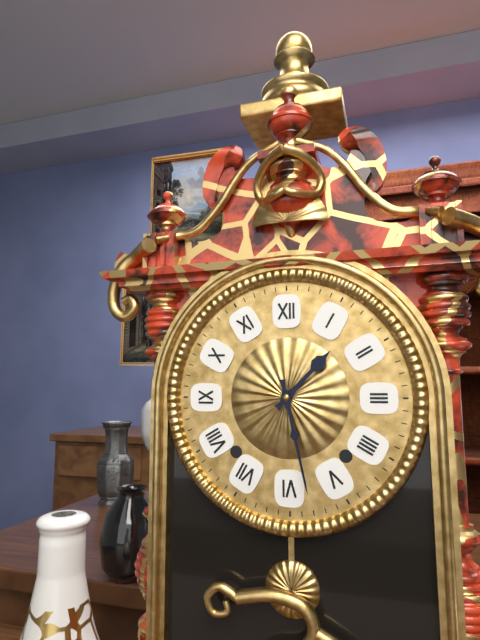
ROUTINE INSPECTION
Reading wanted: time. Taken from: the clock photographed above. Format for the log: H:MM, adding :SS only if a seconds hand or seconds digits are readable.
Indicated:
1:28
